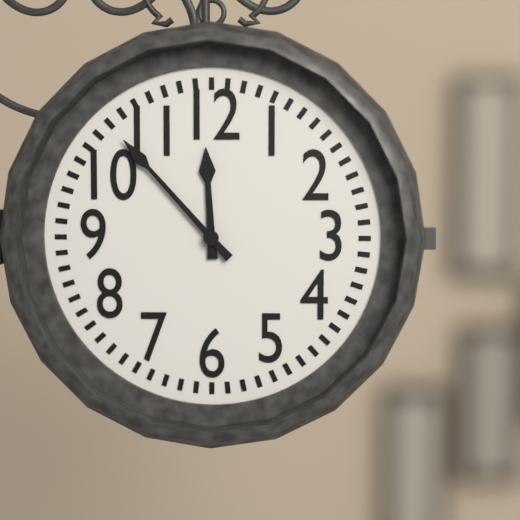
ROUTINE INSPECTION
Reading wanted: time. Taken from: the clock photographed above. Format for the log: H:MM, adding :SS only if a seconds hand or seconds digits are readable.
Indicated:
11:53
